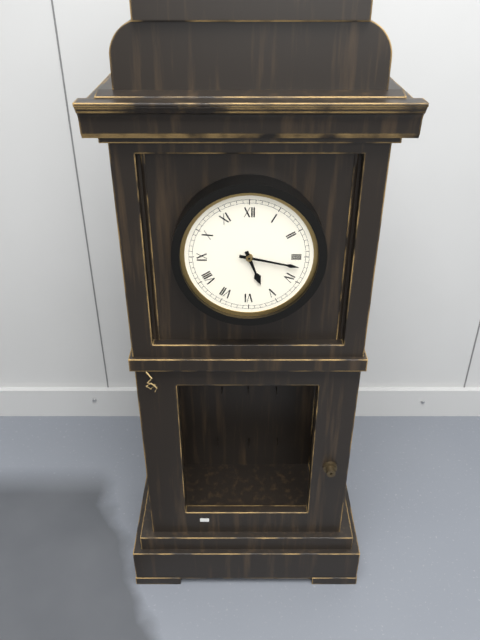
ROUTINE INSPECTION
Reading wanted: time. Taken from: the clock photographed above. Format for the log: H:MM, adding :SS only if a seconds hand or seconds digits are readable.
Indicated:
5:17
